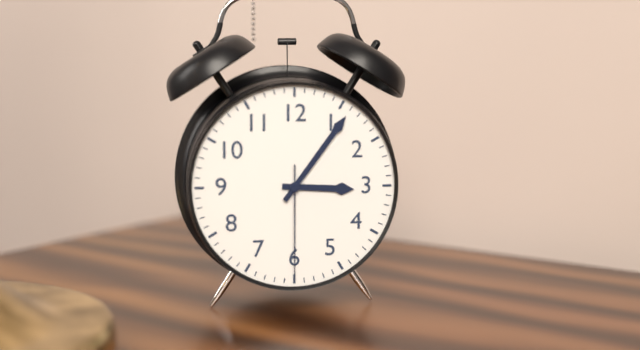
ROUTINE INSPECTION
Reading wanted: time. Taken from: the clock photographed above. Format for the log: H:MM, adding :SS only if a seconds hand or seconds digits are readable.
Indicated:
3:06:30
